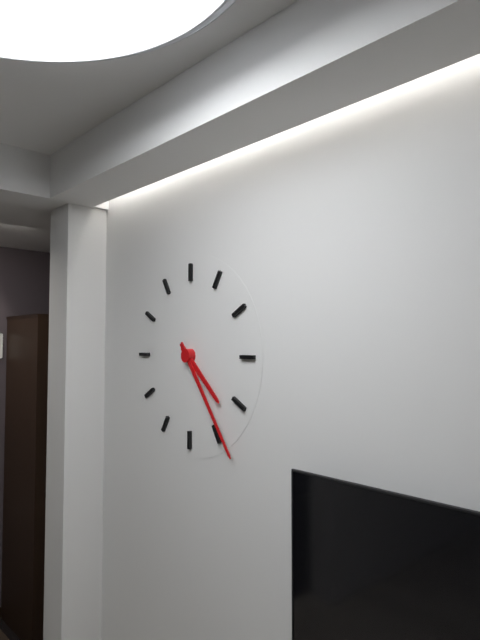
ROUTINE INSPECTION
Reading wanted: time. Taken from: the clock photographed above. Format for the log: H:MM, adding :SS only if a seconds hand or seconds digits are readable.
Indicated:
4:24
